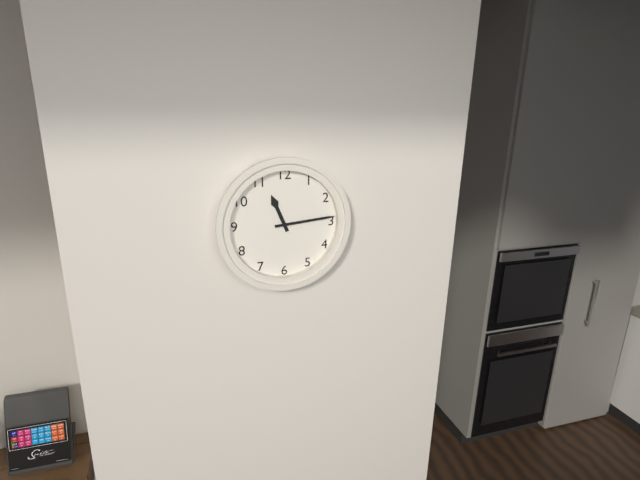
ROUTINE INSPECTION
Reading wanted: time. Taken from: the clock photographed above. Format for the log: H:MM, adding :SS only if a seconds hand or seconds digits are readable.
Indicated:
11:14
